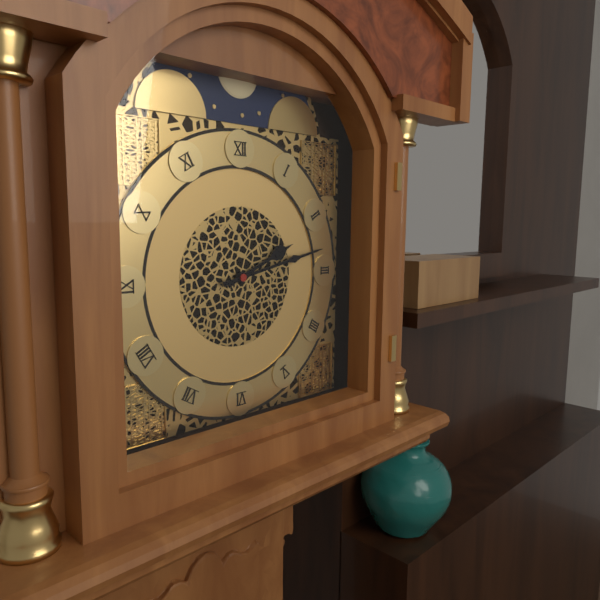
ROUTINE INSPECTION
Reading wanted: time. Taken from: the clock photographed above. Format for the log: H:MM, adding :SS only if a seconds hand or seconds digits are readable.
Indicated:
2:13
